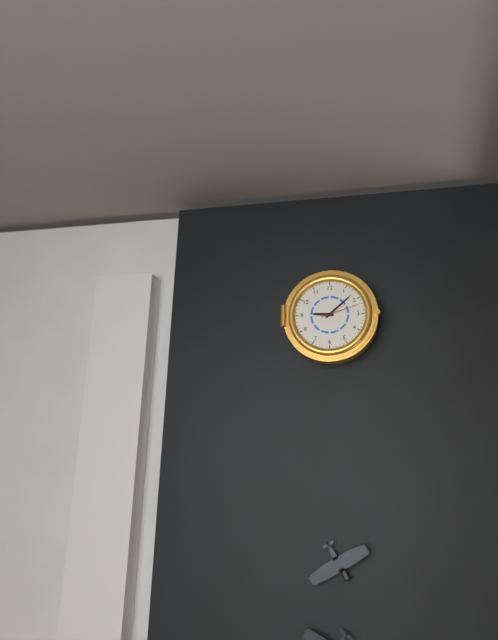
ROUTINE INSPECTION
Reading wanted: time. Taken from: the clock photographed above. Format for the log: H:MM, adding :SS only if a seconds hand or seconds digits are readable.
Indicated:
9:08
